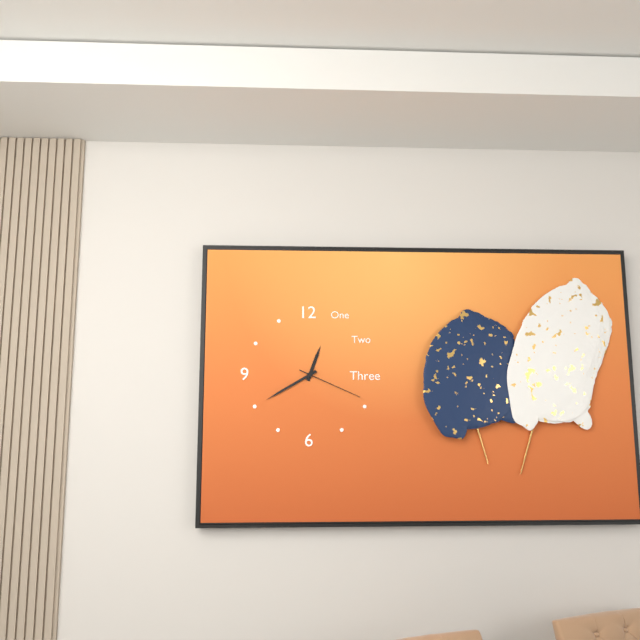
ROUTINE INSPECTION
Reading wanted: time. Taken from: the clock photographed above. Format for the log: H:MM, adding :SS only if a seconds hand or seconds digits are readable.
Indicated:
12:40:19
